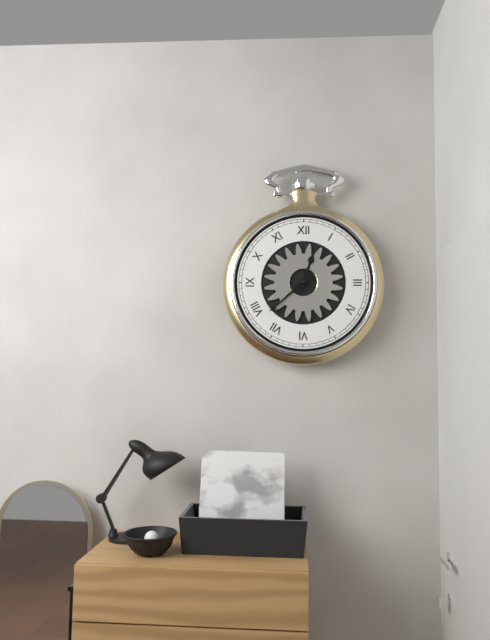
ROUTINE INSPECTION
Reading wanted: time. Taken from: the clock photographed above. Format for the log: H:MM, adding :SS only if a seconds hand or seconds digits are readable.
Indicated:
12:38
